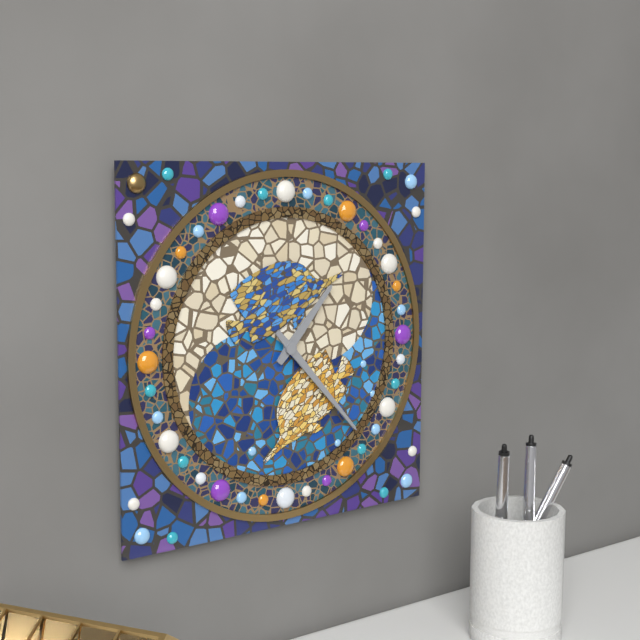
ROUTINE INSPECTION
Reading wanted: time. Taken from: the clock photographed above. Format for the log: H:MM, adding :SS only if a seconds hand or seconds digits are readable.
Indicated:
1:23
